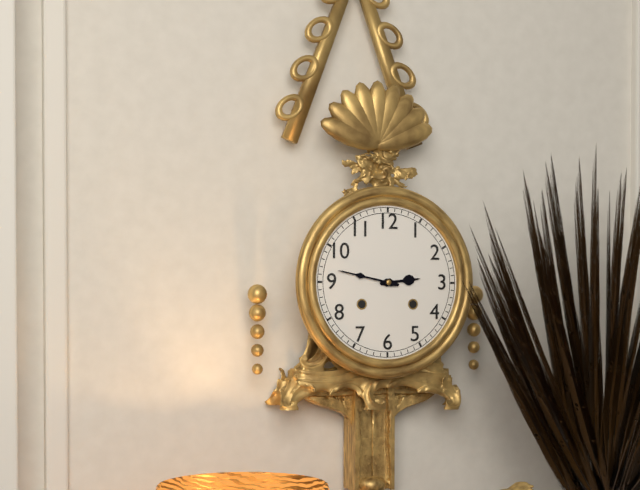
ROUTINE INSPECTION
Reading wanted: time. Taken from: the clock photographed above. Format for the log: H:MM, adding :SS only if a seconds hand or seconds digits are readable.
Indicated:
2:47
